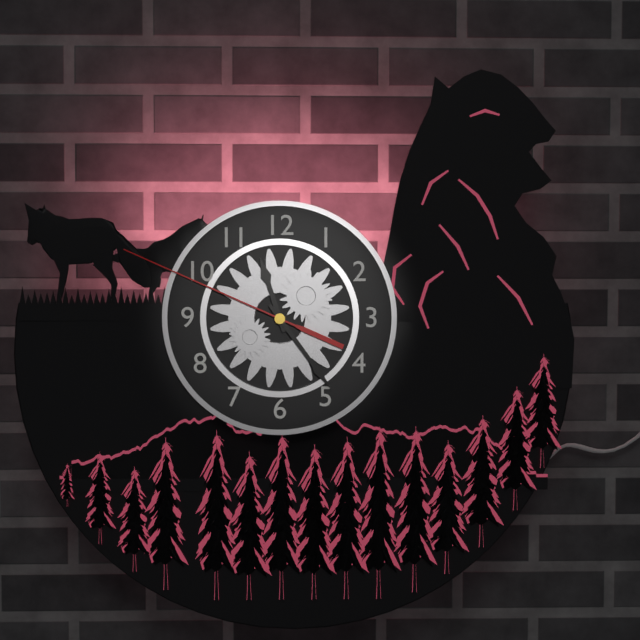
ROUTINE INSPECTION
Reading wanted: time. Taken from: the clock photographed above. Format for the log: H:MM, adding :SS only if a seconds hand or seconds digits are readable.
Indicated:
11:24:49
